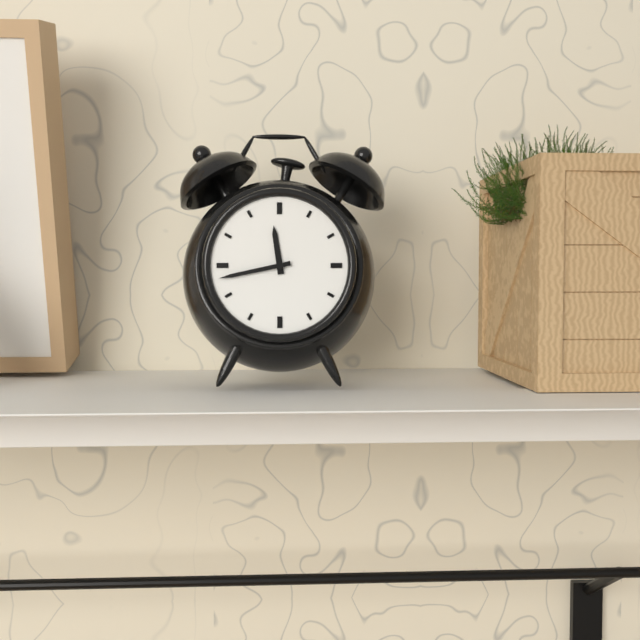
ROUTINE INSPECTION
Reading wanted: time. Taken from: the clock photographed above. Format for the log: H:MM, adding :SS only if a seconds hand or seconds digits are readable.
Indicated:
11:43
